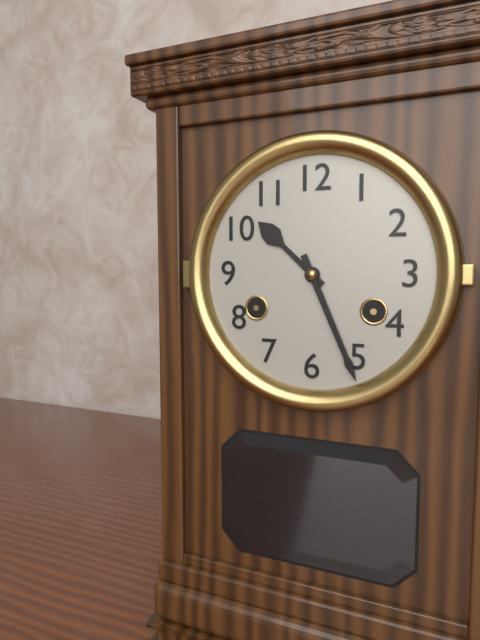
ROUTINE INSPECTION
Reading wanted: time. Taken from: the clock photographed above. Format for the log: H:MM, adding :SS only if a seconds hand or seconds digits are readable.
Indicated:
10:26
